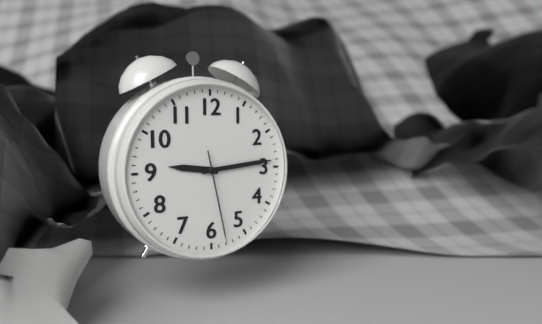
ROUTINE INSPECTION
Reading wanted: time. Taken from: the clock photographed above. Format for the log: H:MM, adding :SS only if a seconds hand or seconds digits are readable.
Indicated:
9:14:28
